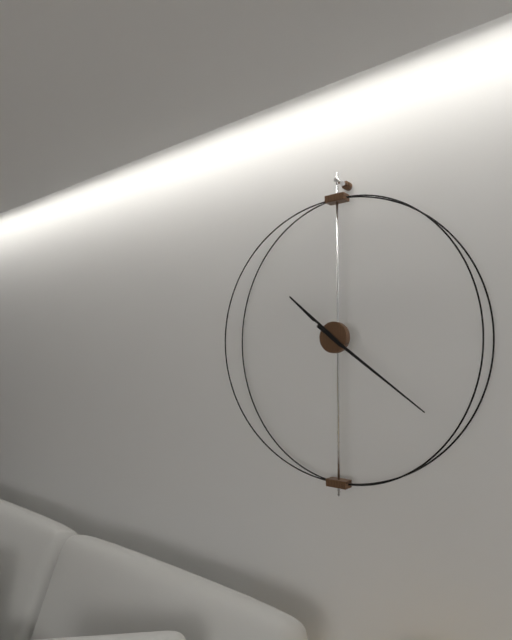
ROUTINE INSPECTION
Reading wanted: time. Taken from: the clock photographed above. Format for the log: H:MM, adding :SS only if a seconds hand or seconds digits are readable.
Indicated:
10:21
